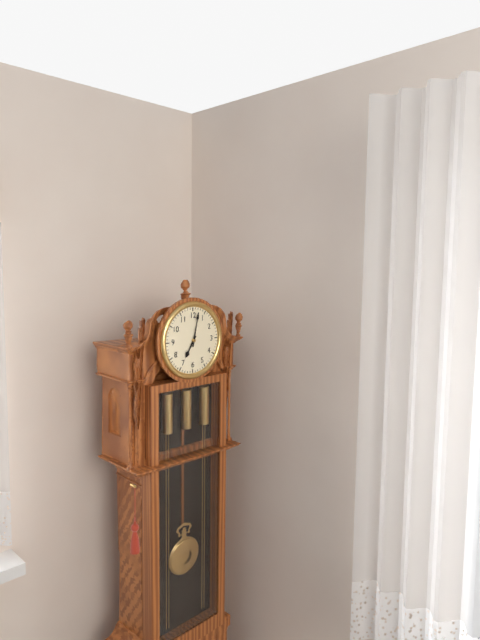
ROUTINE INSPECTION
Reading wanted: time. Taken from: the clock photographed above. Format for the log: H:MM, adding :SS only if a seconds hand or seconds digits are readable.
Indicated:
7:02
